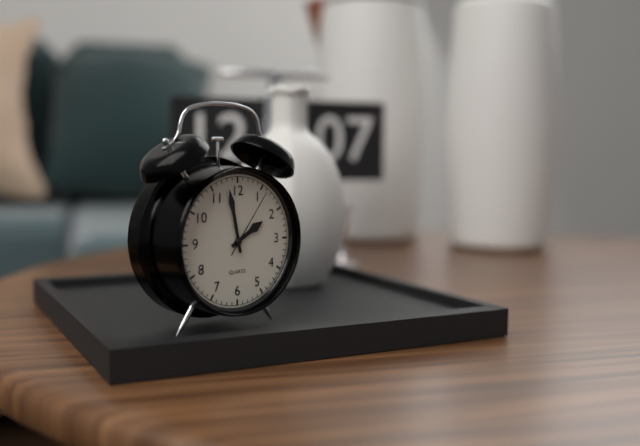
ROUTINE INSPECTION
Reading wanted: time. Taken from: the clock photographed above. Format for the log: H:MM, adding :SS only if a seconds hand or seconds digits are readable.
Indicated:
1:58:06
